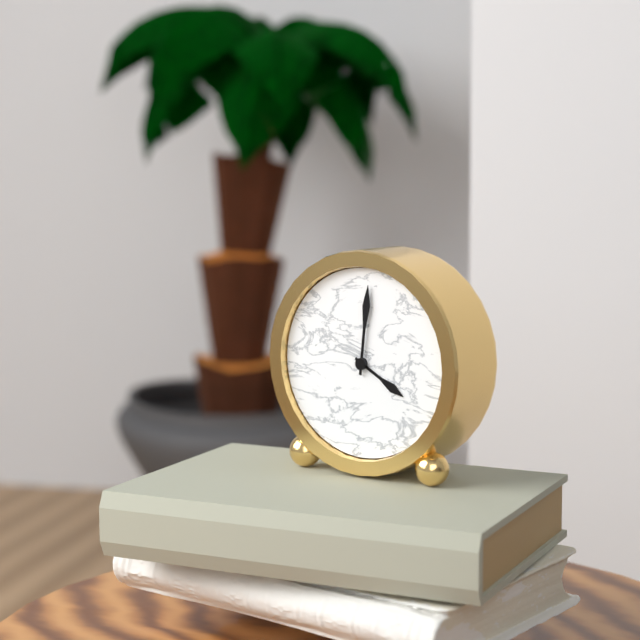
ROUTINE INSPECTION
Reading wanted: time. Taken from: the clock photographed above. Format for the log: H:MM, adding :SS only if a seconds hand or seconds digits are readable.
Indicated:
4:01
